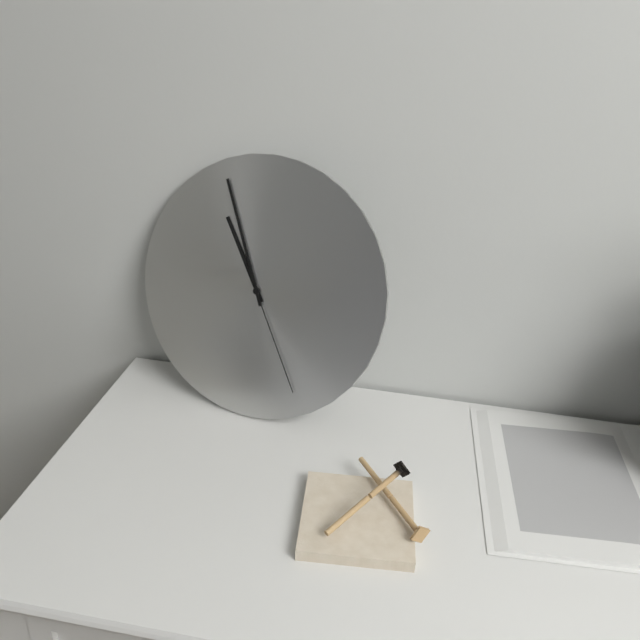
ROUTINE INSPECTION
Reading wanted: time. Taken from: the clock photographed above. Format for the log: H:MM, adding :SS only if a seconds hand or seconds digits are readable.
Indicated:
10:56:25
